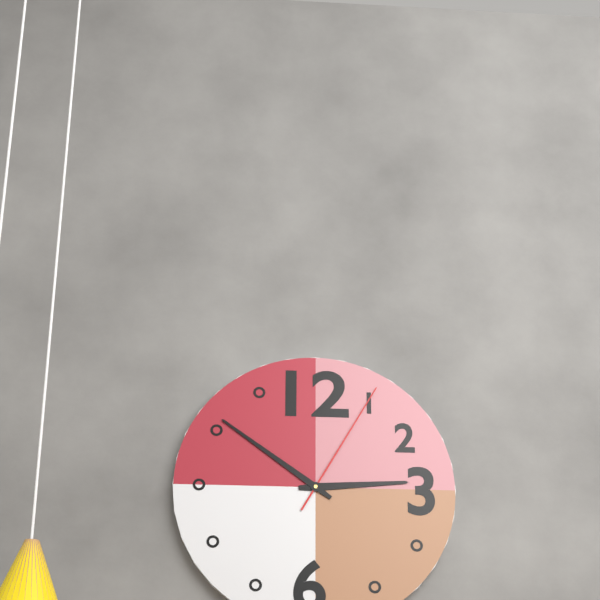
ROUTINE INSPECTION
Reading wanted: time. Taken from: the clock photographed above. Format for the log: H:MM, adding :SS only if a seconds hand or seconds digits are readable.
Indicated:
2:51:05
